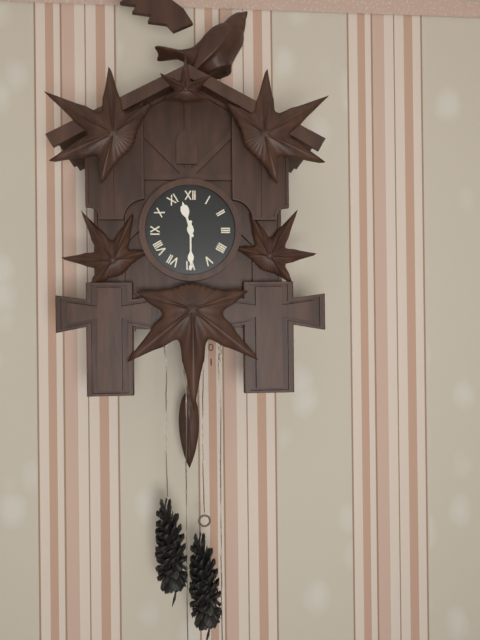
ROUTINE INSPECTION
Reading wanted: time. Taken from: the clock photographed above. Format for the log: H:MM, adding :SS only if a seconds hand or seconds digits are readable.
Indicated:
11:30
